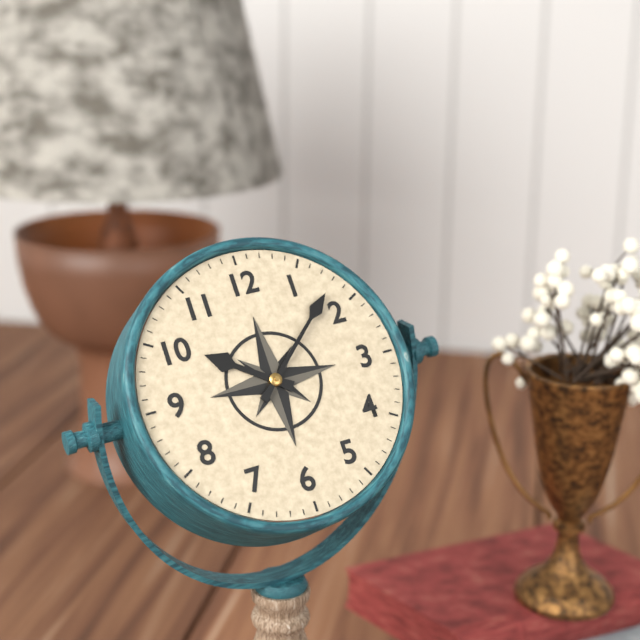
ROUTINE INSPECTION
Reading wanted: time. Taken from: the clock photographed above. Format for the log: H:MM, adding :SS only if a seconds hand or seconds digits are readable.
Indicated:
10:08
